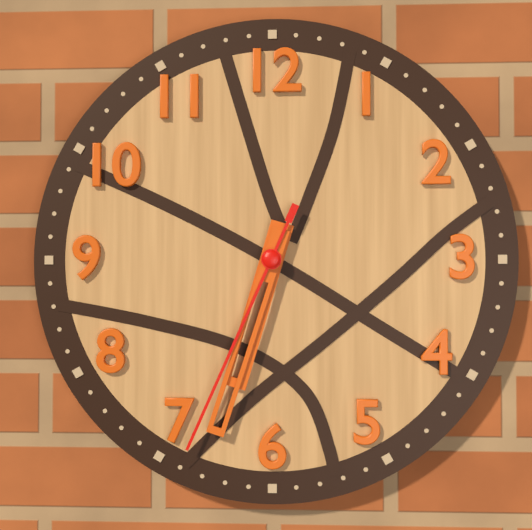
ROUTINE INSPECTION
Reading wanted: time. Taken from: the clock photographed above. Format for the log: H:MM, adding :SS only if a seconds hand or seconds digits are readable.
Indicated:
6:33:34
